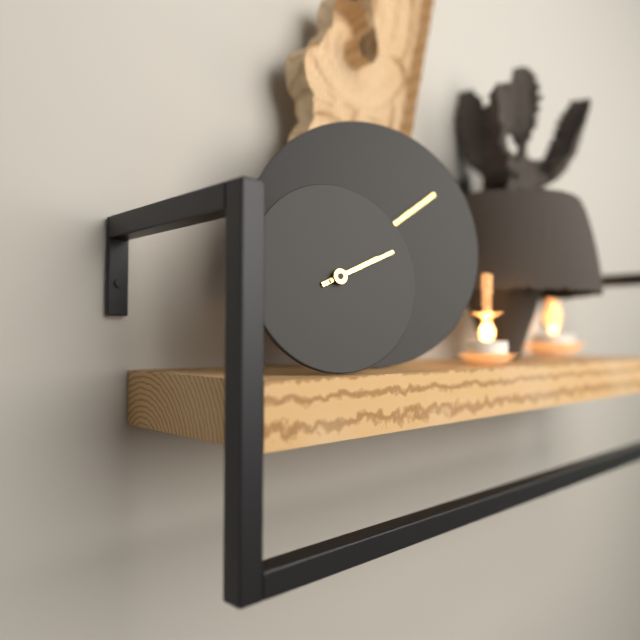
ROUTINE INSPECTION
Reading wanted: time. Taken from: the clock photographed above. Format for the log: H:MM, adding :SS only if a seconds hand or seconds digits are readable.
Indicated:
2:11
